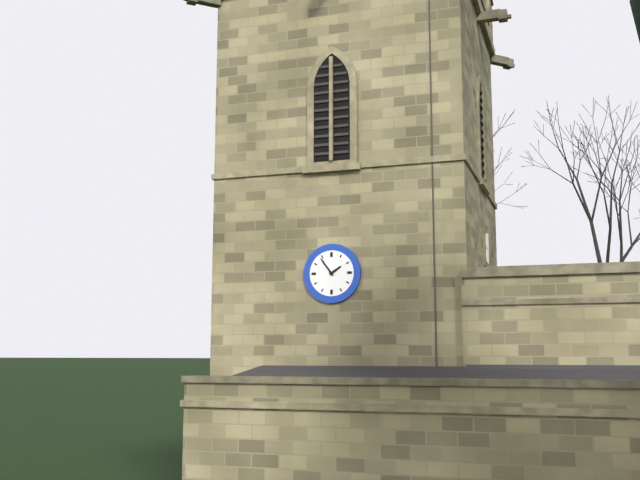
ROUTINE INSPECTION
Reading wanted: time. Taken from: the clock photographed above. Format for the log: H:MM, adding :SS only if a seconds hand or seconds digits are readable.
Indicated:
1:54
